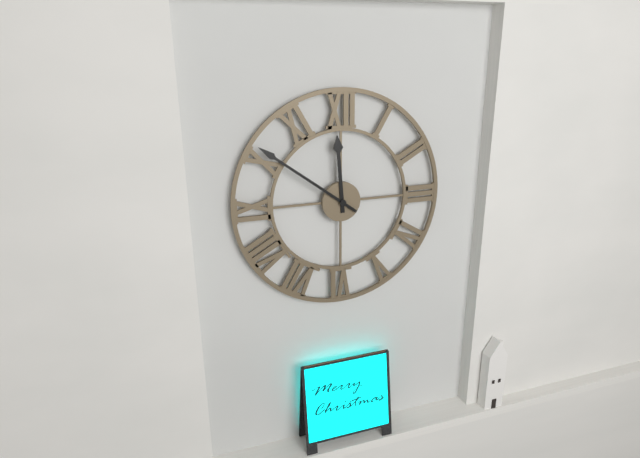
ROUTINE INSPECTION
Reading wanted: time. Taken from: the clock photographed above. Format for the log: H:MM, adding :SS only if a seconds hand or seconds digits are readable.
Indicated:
11:51
